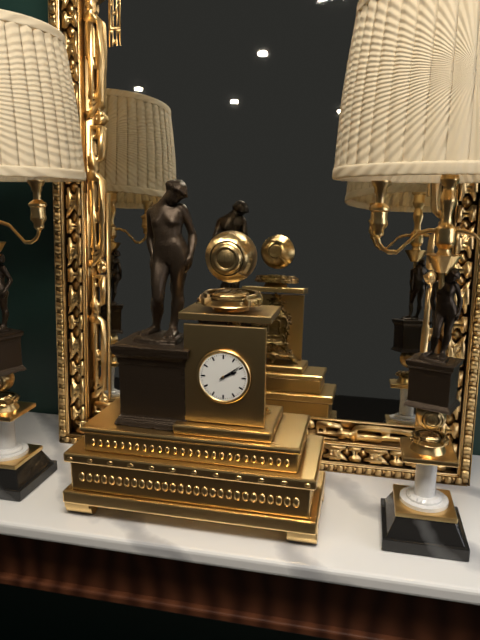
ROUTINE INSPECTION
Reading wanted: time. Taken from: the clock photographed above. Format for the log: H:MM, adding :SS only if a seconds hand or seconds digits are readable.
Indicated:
2:09
